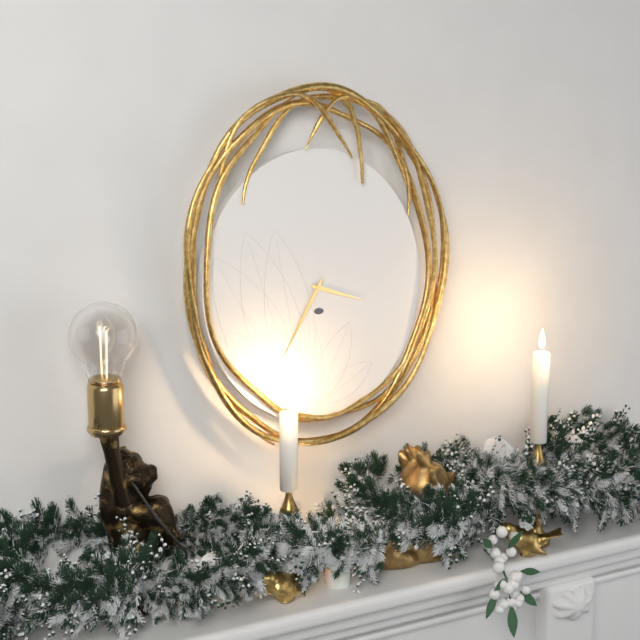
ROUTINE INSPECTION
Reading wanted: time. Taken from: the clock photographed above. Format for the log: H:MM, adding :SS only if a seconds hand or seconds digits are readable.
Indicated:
3:35
